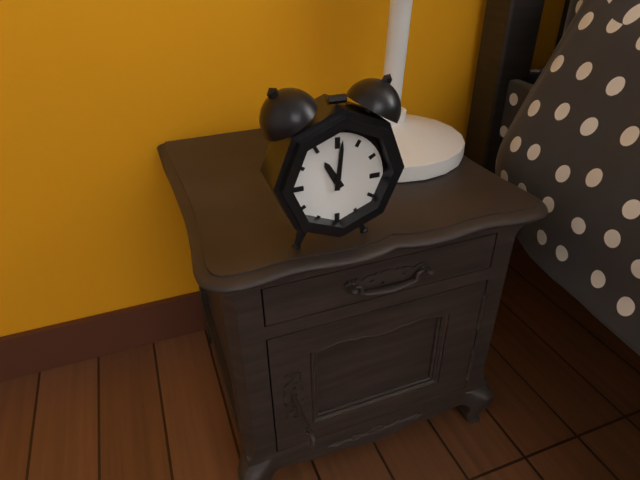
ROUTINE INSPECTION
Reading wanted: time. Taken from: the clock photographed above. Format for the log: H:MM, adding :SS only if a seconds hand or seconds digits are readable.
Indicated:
11:01
